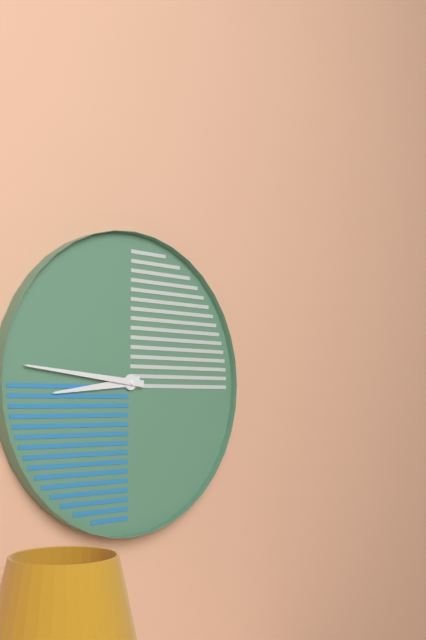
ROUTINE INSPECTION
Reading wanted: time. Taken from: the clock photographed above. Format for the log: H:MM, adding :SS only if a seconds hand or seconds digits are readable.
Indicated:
8:46
